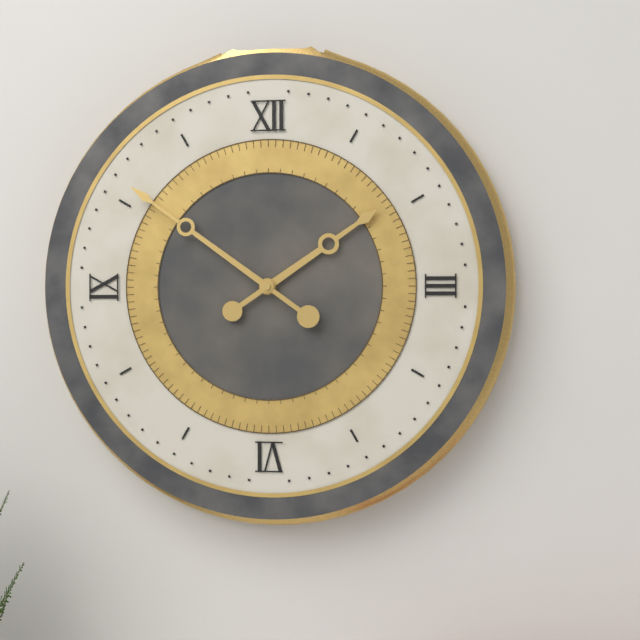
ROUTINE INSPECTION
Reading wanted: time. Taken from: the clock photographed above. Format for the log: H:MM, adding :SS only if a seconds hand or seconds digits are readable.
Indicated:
1:51
